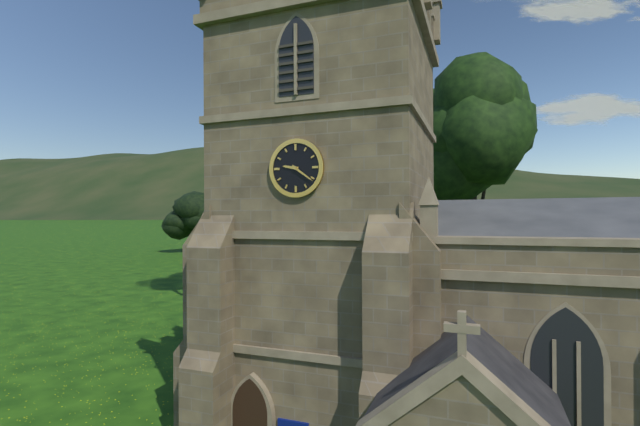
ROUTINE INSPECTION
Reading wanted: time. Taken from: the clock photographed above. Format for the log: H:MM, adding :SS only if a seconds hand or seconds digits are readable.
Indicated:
9:21
